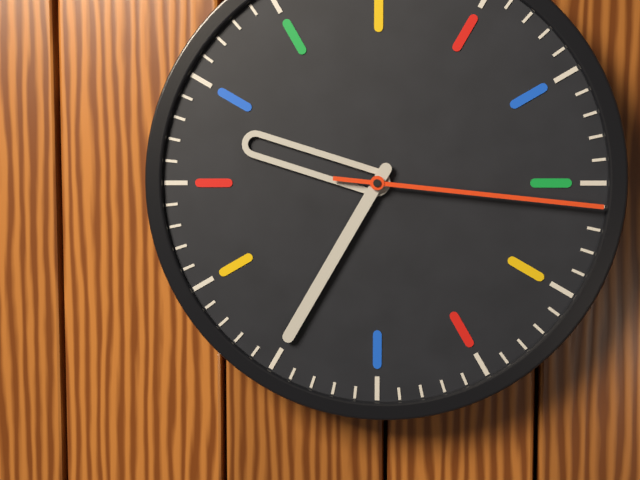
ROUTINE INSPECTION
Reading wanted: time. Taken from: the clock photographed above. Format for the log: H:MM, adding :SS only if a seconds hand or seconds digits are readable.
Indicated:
9:35:16
